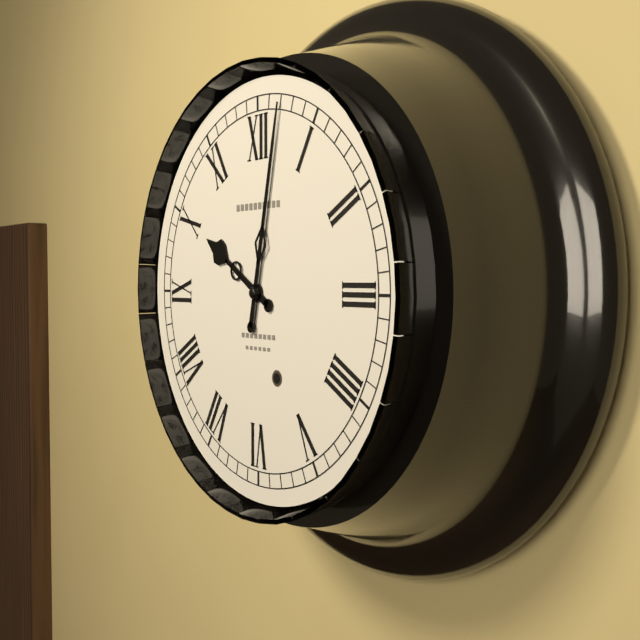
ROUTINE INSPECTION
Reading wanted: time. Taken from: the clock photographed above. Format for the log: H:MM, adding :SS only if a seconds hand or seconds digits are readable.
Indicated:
10:02
